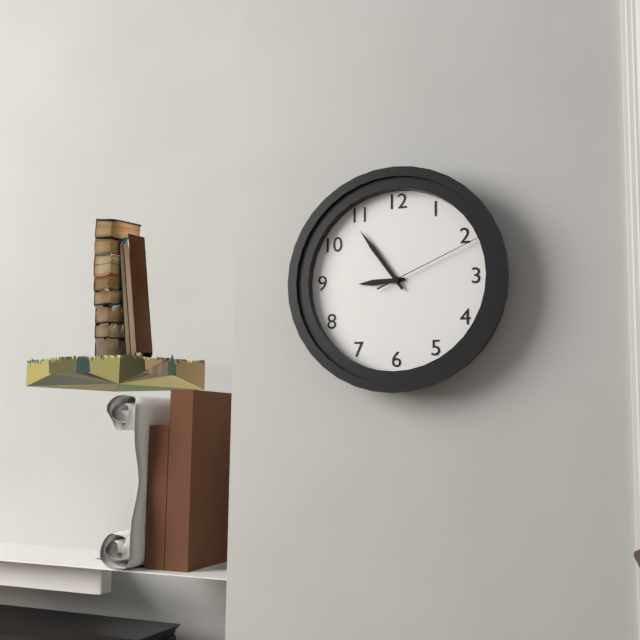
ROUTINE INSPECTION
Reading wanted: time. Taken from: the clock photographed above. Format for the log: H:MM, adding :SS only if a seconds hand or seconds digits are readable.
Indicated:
8:54:11
